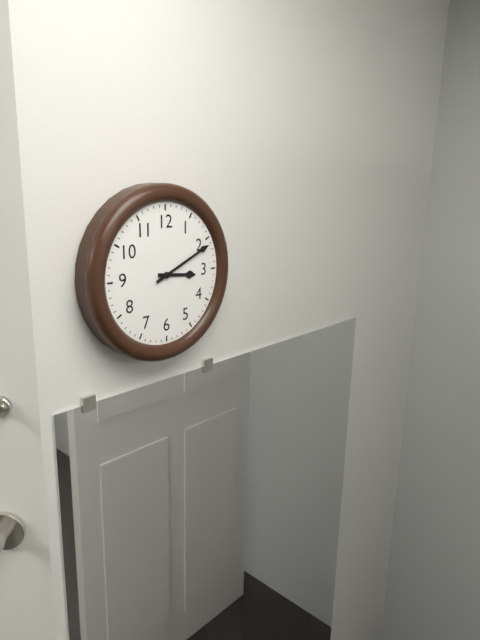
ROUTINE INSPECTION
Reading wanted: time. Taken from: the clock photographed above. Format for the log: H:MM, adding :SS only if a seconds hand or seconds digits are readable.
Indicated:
3:11
